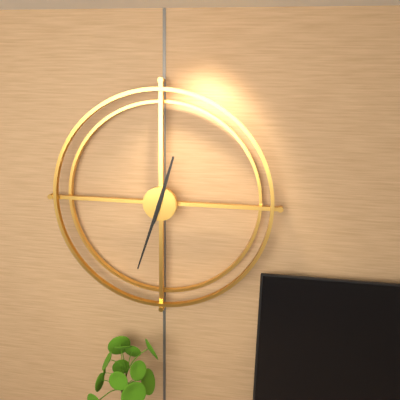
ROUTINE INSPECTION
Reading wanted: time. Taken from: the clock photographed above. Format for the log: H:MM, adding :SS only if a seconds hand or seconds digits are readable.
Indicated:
12:33
